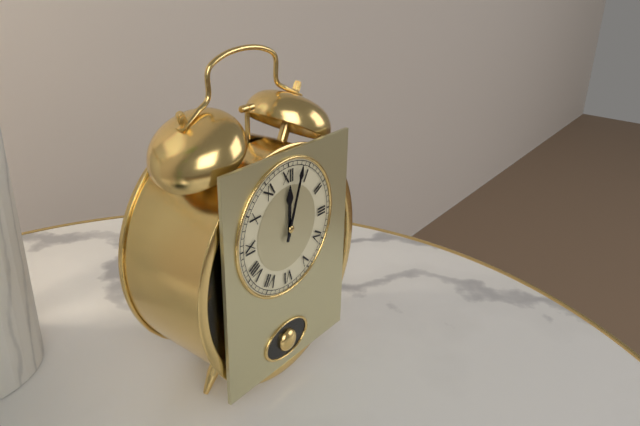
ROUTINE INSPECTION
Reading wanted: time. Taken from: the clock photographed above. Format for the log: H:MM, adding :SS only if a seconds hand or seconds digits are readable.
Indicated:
12:03
